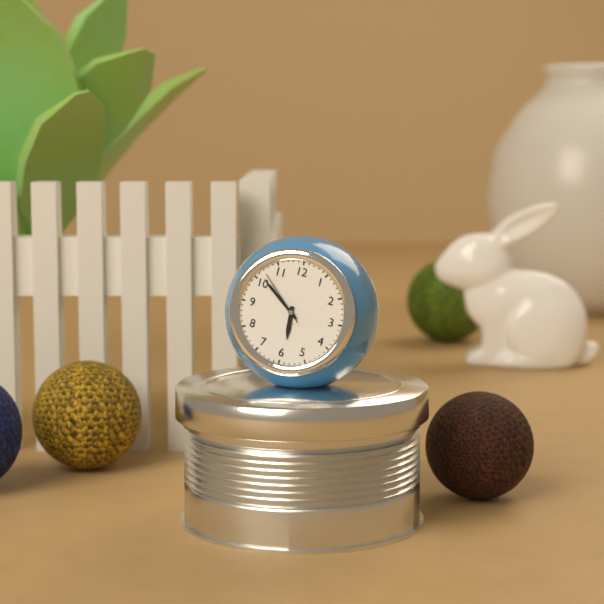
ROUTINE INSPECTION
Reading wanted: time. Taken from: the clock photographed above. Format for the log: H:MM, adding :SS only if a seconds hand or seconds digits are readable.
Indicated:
5:51:52
